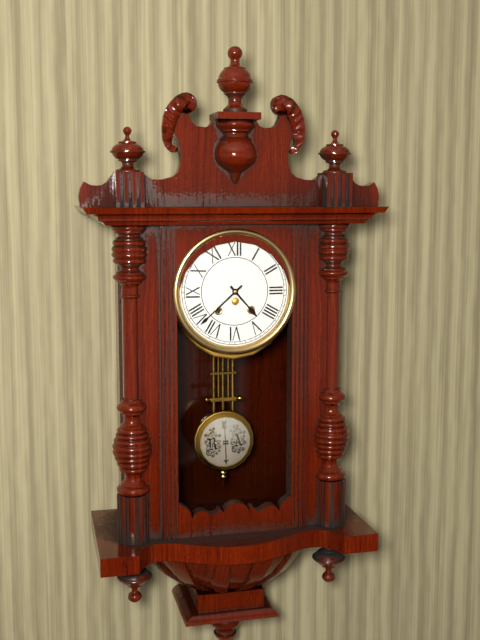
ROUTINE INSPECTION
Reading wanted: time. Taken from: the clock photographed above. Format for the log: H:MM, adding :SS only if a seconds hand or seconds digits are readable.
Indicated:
4:38
